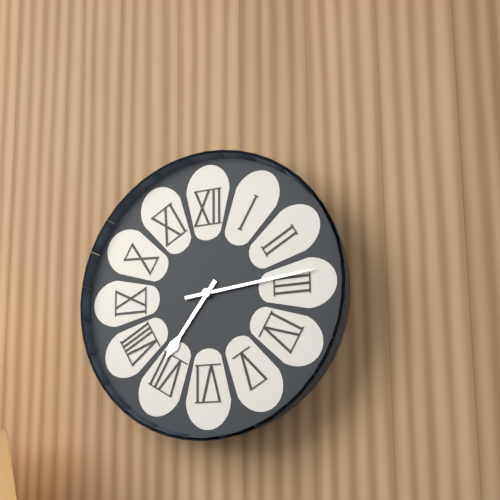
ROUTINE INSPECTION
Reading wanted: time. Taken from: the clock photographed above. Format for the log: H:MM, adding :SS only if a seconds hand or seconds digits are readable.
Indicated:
7:14
